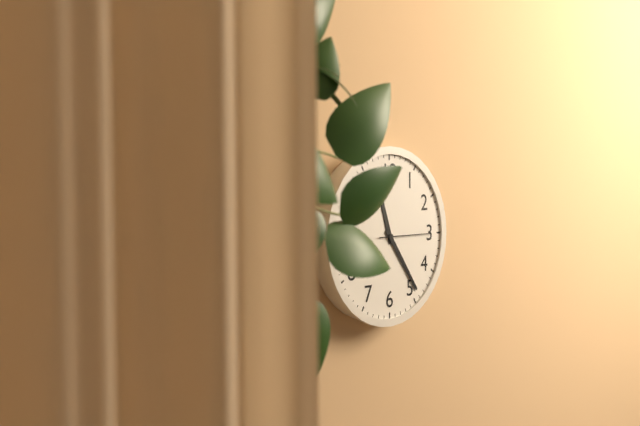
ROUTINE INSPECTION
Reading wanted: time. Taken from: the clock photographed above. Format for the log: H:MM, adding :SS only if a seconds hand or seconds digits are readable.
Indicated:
11:24:15
